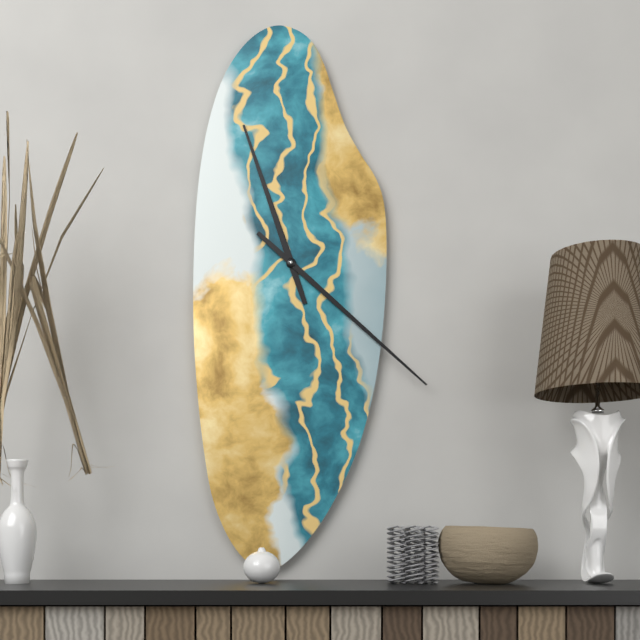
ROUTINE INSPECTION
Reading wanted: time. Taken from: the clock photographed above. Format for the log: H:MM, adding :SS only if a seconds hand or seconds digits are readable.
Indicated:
11:22
